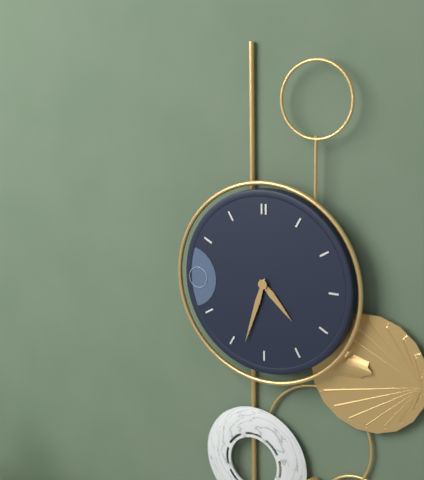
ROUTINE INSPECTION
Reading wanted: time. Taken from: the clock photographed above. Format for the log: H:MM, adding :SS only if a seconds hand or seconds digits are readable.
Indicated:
4:33
